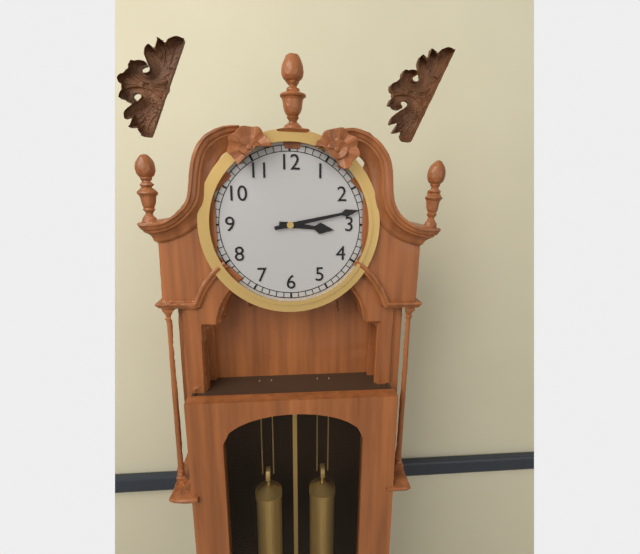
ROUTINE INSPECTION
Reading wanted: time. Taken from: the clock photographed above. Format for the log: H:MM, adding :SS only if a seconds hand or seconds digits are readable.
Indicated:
3:13
